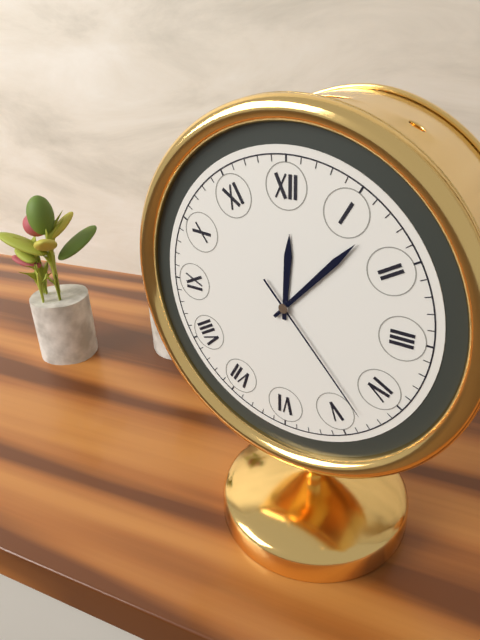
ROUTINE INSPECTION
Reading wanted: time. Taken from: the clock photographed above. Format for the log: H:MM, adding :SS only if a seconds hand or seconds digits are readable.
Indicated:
12:07:23
